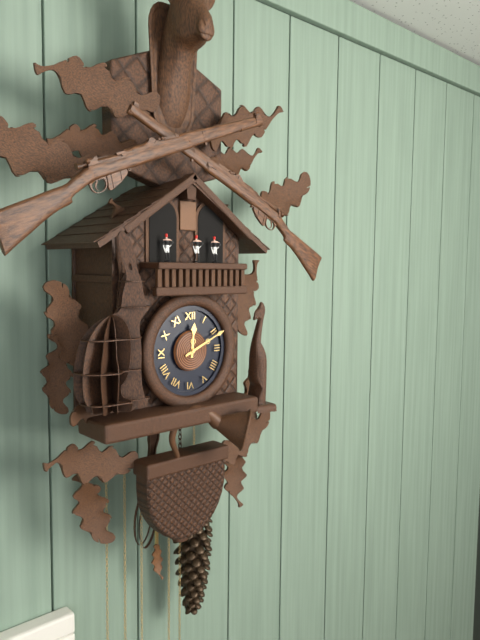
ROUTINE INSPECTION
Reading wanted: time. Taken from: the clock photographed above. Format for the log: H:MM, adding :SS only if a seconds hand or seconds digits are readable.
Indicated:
12:11
